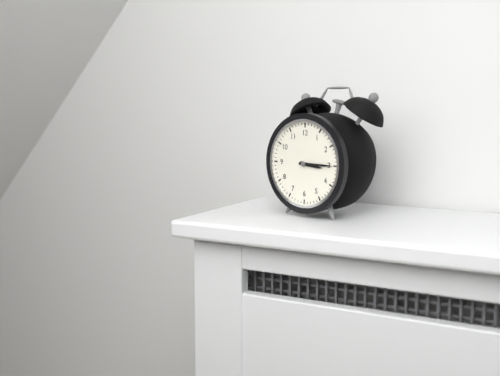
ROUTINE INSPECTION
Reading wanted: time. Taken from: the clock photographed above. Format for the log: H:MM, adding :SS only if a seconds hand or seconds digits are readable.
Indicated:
3:15
